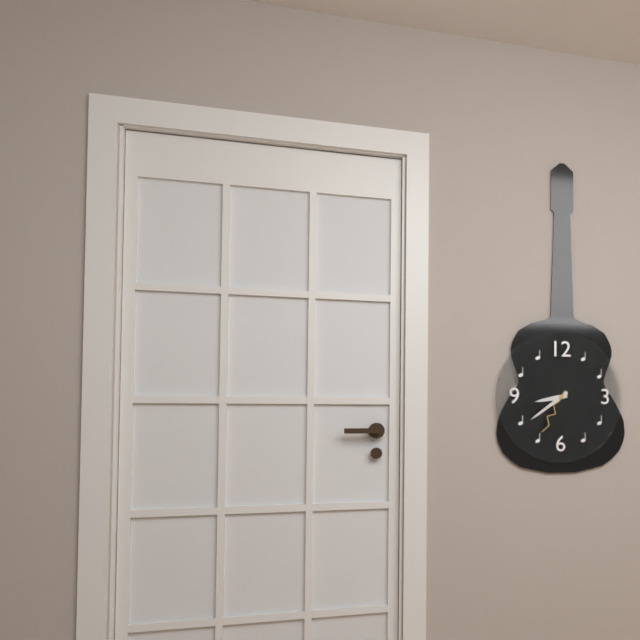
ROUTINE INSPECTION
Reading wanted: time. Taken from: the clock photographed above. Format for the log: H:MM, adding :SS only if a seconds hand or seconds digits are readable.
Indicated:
8:39:35
